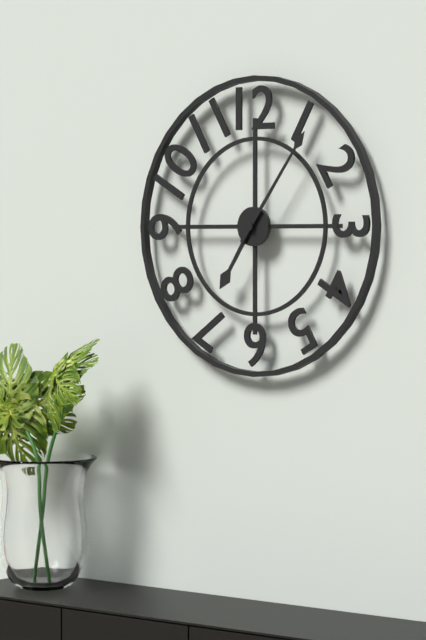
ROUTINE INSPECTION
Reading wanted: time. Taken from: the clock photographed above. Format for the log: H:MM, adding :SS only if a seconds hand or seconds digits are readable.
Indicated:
7:06
